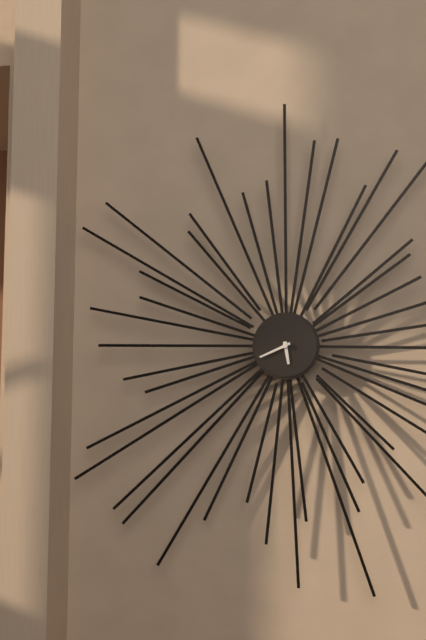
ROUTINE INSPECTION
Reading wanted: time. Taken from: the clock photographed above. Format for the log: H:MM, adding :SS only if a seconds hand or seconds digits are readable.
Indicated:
5:41
